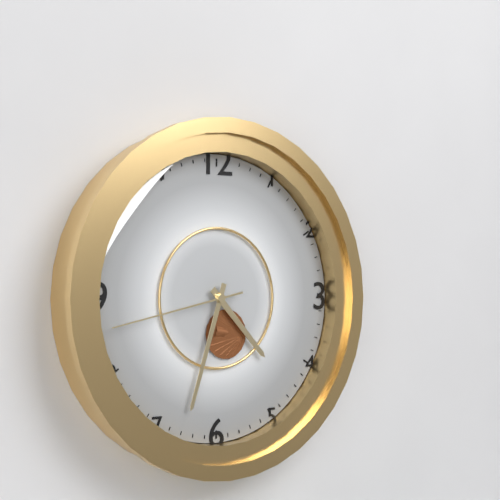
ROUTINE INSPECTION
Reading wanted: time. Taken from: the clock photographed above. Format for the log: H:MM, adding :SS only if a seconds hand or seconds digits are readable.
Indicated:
4:33:43
